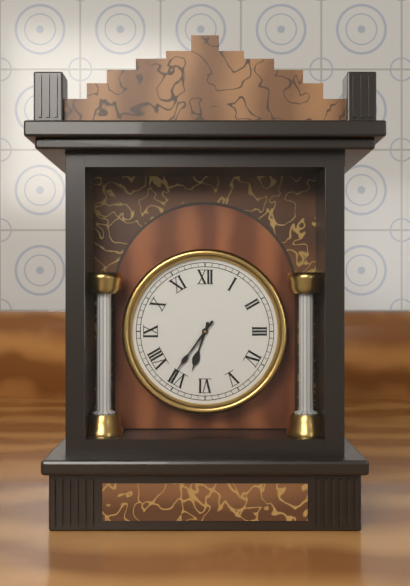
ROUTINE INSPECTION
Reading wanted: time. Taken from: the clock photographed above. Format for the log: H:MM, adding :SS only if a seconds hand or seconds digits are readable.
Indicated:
6:36
